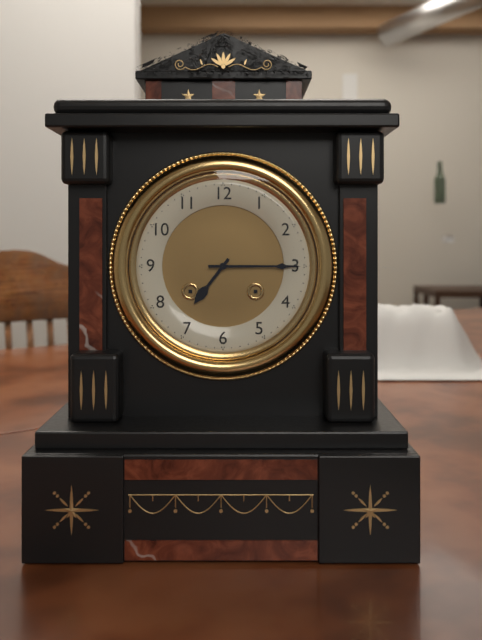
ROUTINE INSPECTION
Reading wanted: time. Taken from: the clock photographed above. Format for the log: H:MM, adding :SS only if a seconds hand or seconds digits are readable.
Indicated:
7:15
